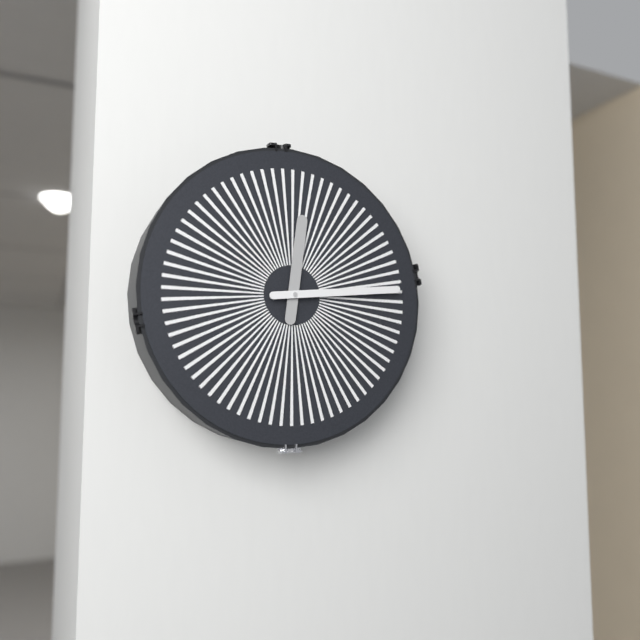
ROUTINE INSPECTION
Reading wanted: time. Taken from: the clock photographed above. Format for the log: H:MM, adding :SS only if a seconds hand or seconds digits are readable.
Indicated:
12:14
